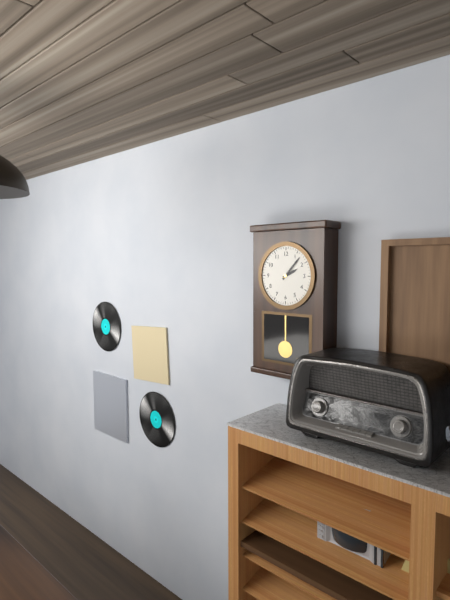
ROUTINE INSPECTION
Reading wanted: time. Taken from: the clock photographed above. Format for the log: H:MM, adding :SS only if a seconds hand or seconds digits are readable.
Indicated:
2:07
